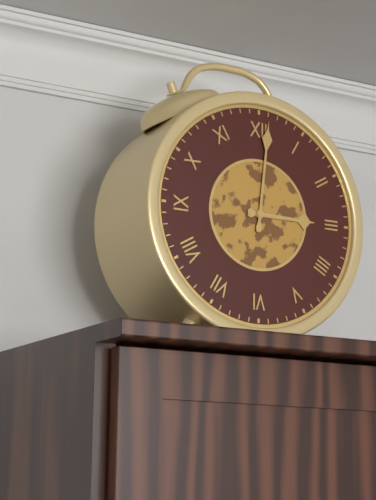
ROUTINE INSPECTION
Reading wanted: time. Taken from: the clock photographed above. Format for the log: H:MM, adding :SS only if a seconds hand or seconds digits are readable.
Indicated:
3:01
